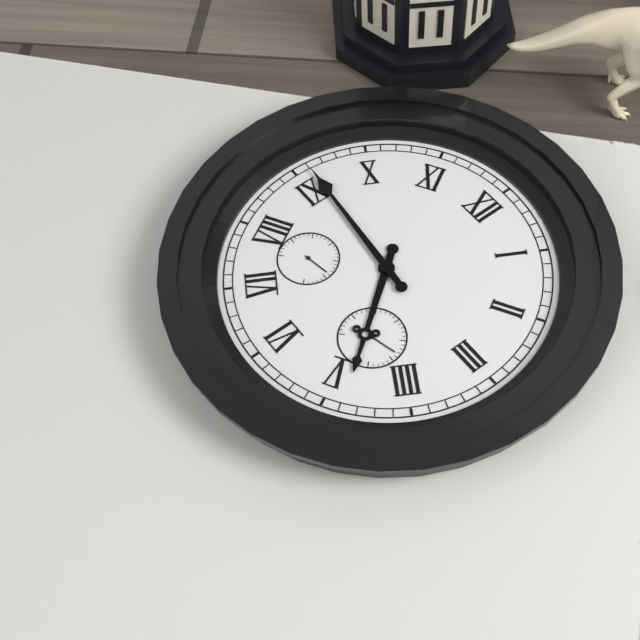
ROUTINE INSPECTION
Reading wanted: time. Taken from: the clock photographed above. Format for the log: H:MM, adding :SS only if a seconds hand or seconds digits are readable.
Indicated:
4:46
